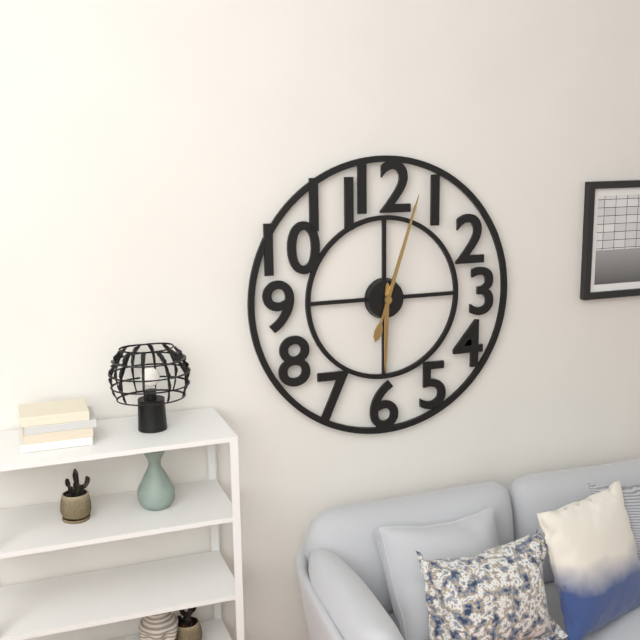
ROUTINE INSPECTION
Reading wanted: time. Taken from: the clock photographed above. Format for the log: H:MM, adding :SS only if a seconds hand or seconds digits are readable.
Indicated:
6:03
